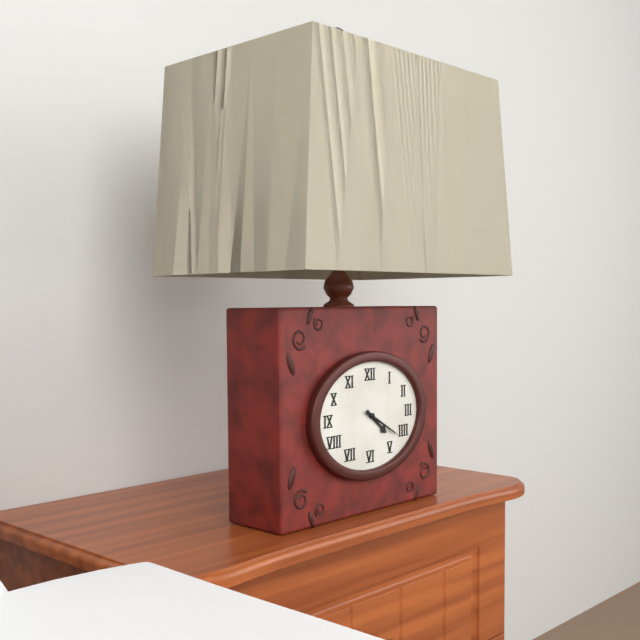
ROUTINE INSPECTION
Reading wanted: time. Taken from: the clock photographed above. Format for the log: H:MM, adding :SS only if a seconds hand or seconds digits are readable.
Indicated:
4:20
